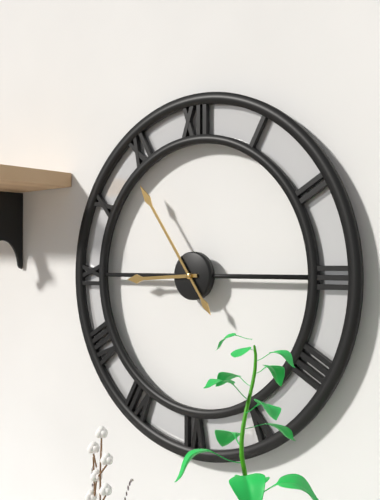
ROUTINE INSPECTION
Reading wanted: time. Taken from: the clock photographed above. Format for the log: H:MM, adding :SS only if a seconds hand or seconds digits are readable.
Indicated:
8:54
